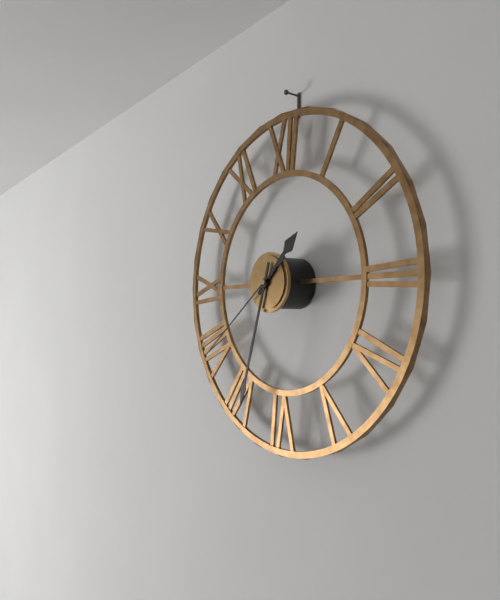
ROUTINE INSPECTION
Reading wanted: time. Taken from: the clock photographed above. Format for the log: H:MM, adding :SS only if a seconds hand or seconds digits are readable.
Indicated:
1:33:39
